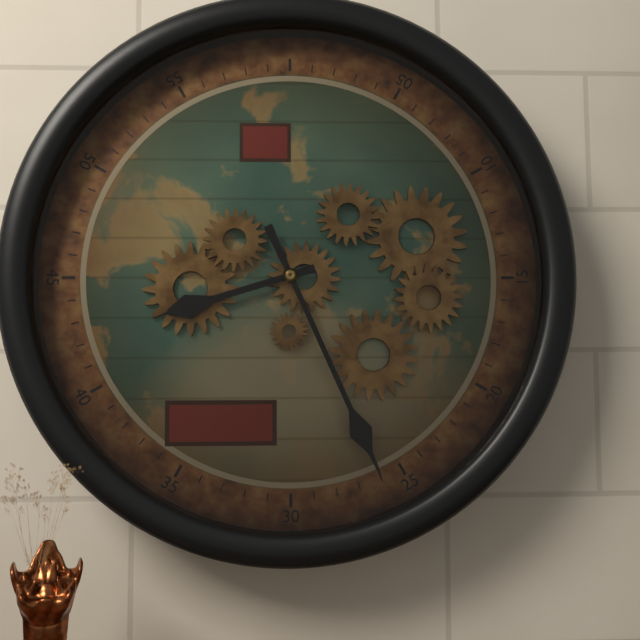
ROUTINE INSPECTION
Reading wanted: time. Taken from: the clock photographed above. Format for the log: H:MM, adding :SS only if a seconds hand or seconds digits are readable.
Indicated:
8:26
